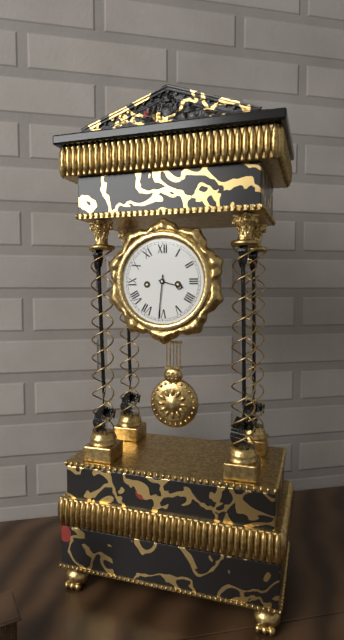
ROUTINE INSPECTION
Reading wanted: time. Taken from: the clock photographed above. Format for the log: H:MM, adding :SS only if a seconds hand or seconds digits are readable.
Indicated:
3:31
